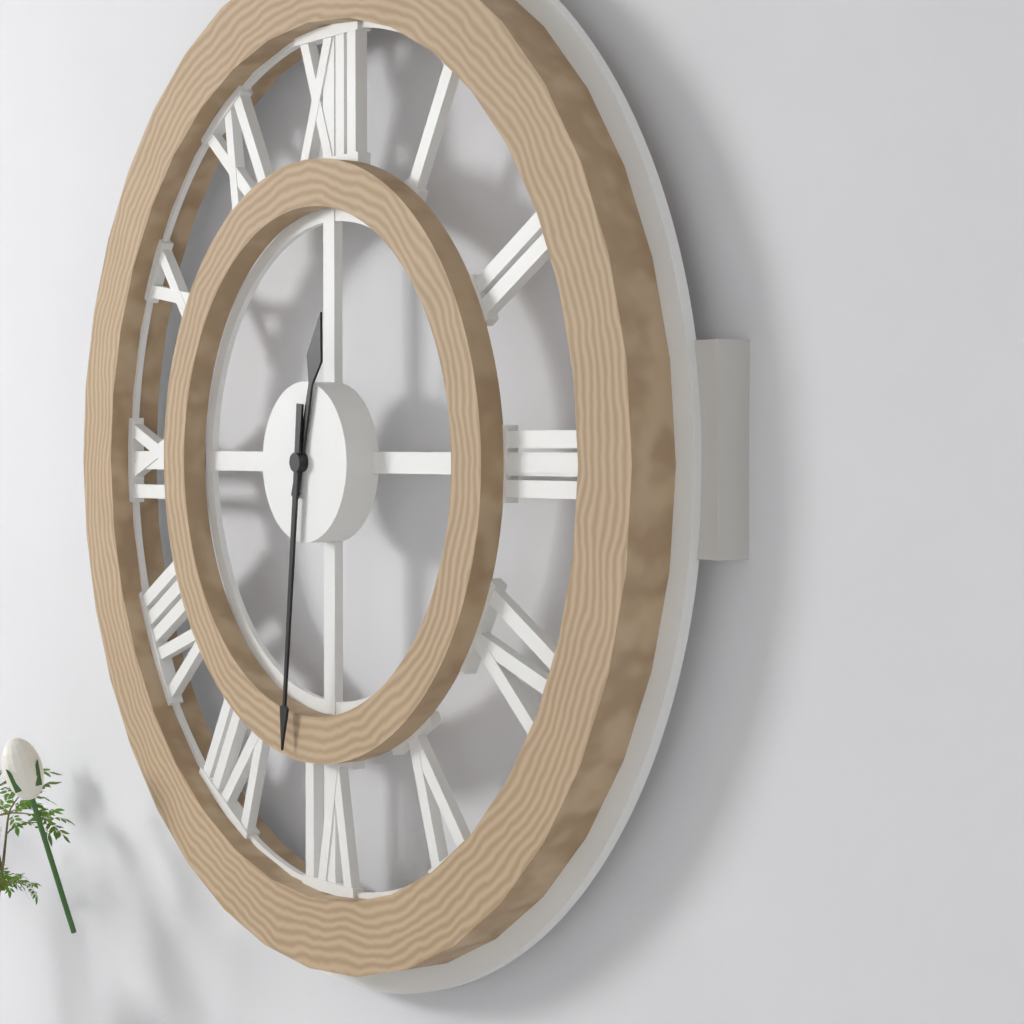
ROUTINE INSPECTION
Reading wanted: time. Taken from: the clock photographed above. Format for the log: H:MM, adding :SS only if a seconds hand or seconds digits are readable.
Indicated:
12:31
